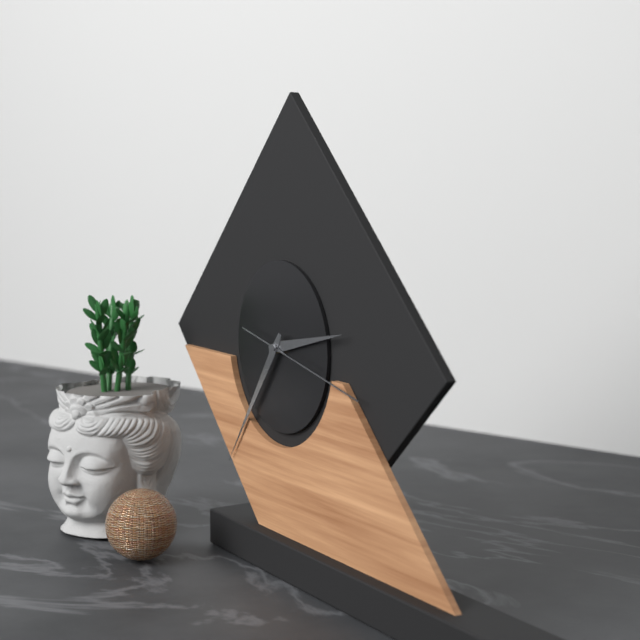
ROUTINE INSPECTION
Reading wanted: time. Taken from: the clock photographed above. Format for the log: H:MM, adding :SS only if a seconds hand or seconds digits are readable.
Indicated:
2:36:17
